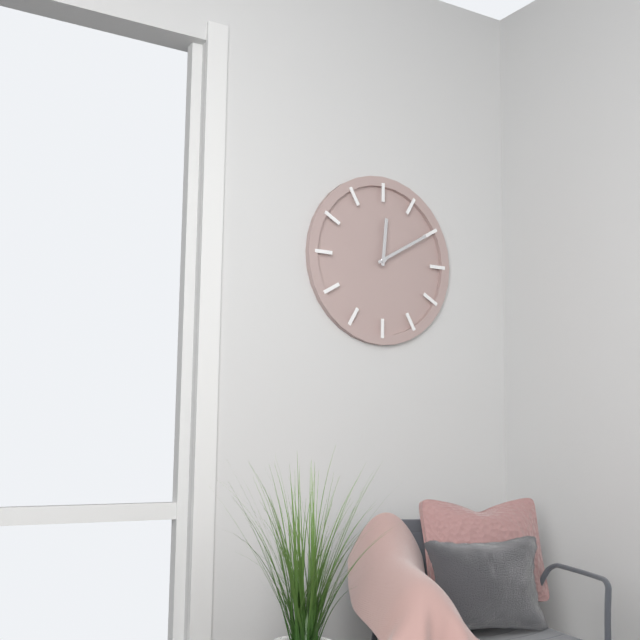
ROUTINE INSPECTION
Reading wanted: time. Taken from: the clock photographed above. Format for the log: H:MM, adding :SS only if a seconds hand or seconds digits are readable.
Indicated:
12:10
